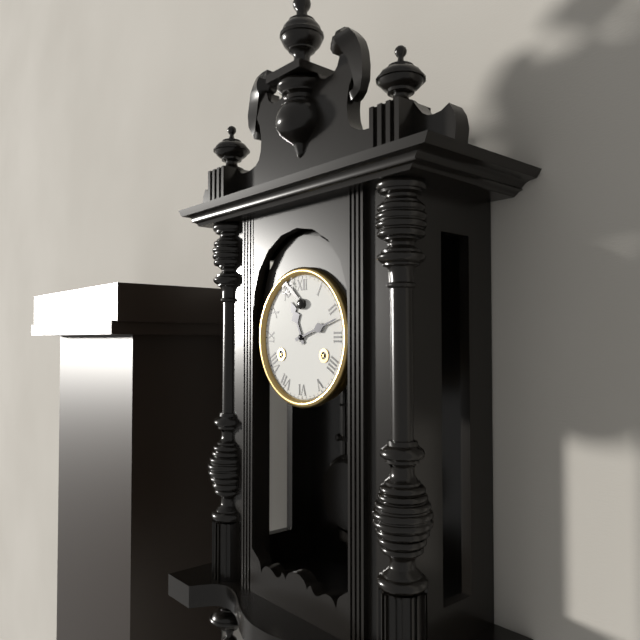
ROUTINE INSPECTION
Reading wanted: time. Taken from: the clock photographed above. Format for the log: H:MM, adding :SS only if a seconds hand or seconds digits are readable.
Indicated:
11:12
